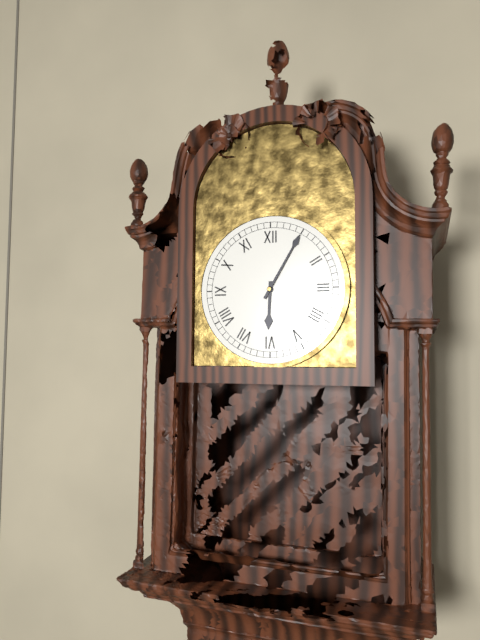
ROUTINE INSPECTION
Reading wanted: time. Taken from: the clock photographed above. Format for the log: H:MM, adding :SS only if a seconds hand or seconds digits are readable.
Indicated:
6:05
